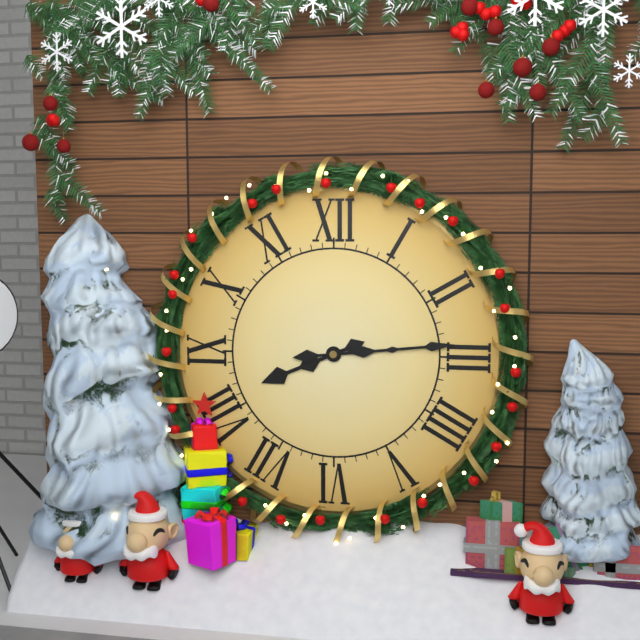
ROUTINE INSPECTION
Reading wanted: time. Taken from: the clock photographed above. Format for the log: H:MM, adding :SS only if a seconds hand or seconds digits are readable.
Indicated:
8:14
